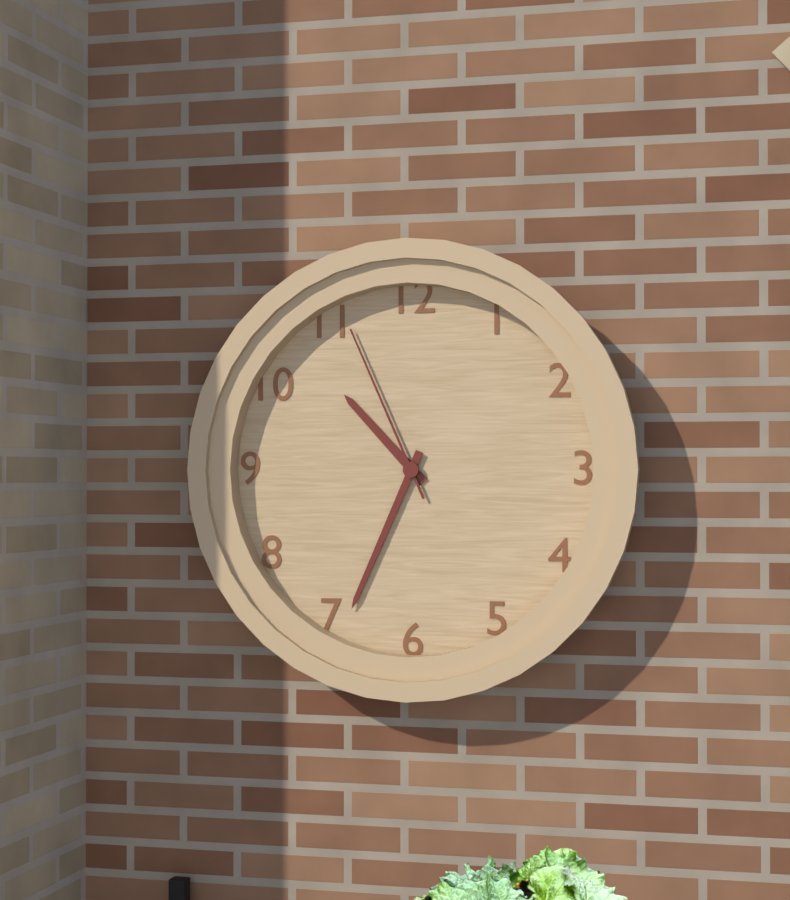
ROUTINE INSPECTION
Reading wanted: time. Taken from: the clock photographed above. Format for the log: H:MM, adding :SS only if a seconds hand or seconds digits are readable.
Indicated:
10:34:56
